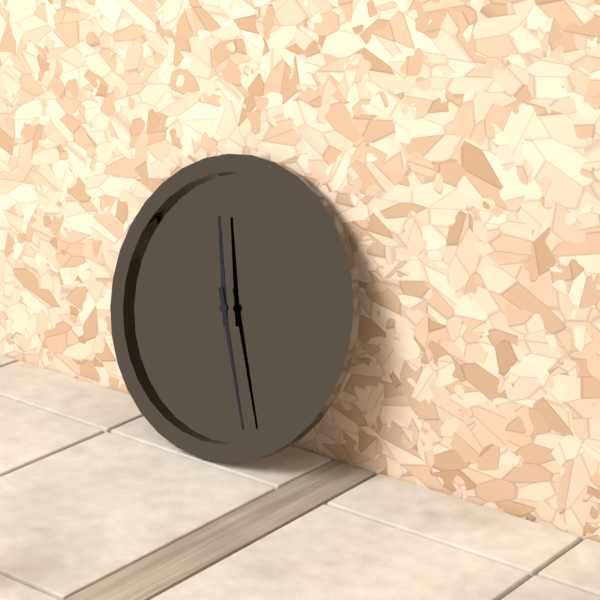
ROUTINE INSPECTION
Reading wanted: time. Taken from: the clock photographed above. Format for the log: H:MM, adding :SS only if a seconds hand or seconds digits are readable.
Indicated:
11:26
